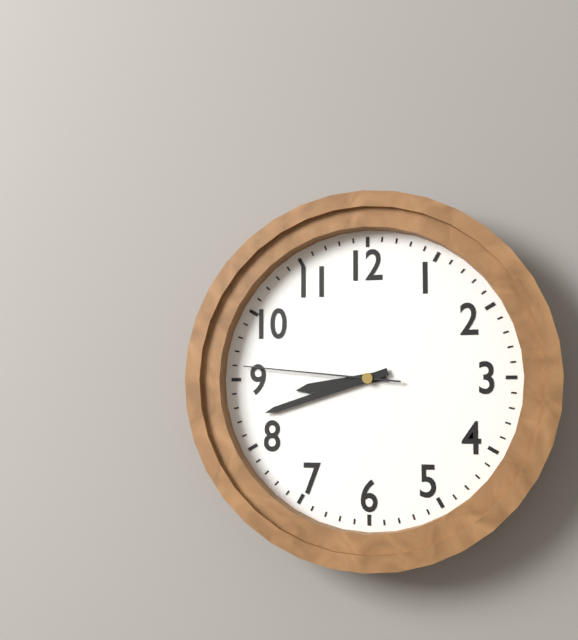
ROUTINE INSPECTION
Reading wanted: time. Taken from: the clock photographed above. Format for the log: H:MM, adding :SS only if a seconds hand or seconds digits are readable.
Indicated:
8:42:46
